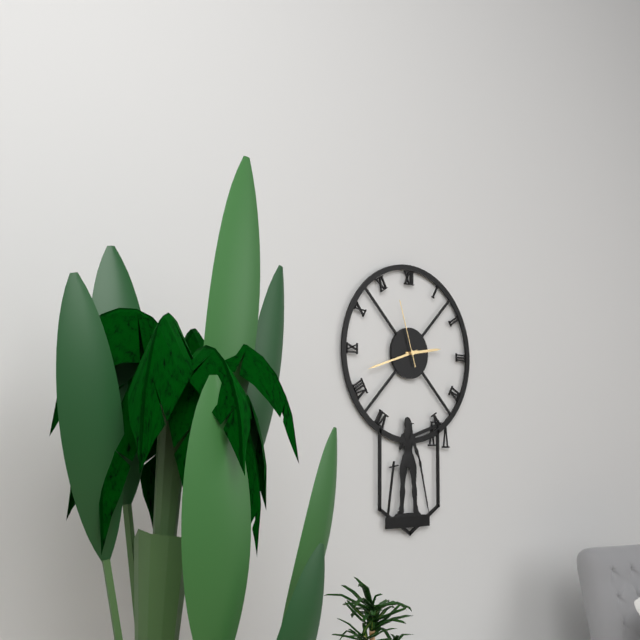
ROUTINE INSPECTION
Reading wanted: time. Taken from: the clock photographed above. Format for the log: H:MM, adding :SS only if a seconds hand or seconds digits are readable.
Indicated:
2:42:57
